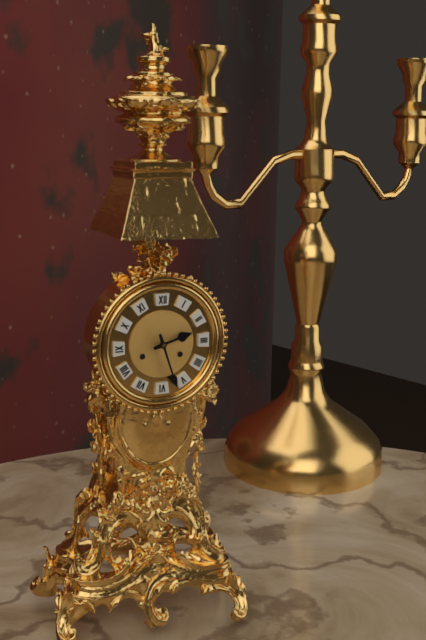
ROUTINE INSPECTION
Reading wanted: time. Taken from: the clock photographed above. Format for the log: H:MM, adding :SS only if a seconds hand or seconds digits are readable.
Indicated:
2:27
